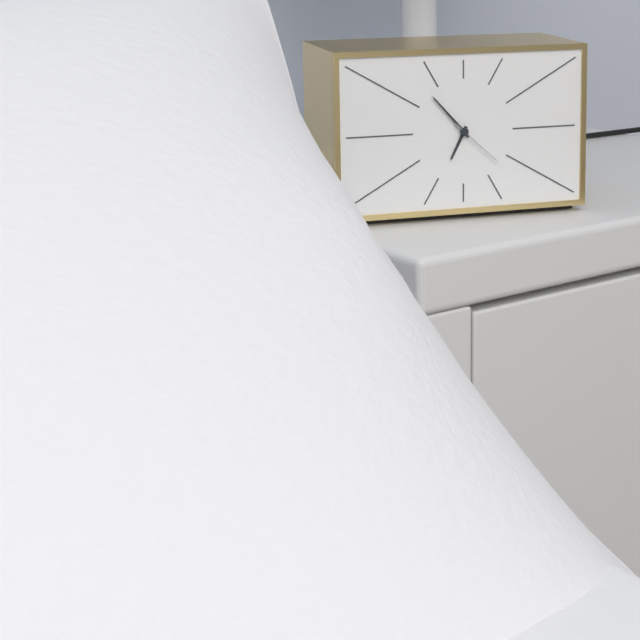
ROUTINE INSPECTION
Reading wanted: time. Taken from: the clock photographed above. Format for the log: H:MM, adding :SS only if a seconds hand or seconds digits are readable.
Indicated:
6:53:22
